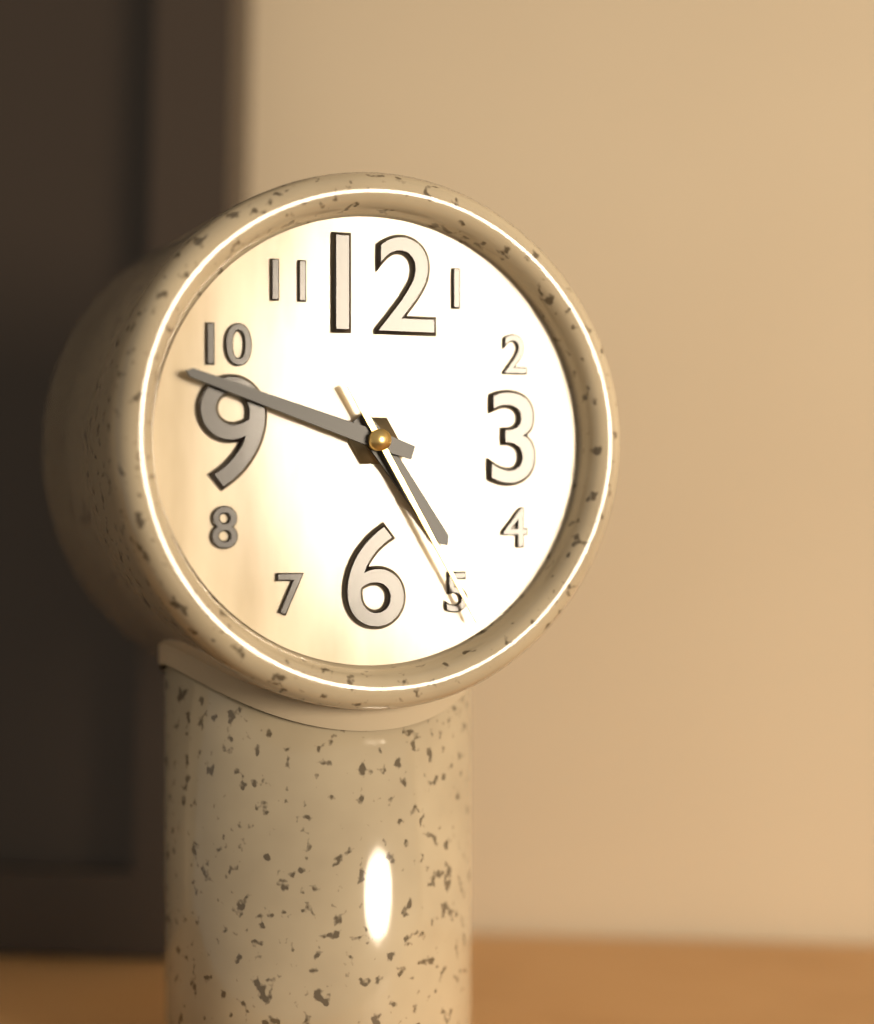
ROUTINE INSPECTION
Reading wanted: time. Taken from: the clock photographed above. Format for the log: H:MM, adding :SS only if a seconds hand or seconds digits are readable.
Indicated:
4:48:25
